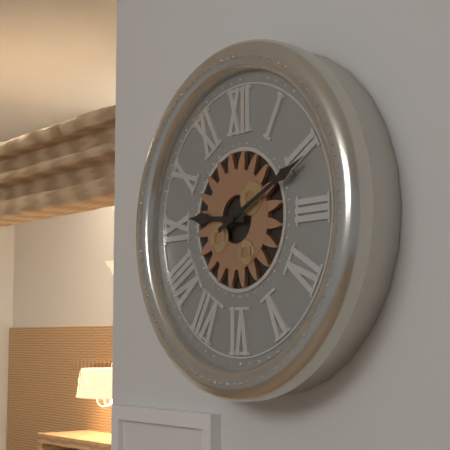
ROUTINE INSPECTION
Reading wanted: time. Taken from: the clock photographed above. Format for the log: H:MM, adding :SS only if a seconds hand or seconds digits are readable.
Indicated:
9:11
